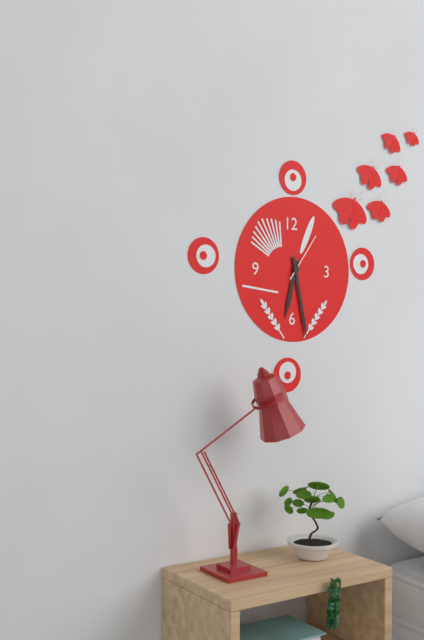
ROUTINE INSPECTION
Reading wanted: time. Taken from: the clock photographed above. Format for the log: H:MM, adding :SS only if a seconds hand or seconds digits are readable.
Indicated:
6:28
